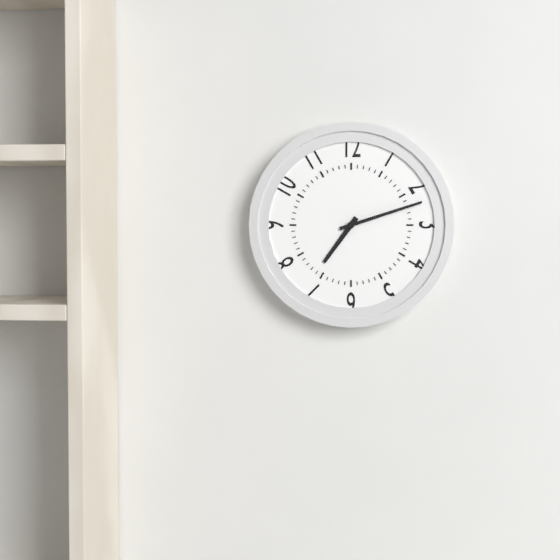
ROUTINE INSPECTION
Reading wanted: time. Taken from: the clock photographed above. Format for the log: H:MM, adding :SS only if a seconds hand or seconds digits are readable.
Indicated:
7:12
